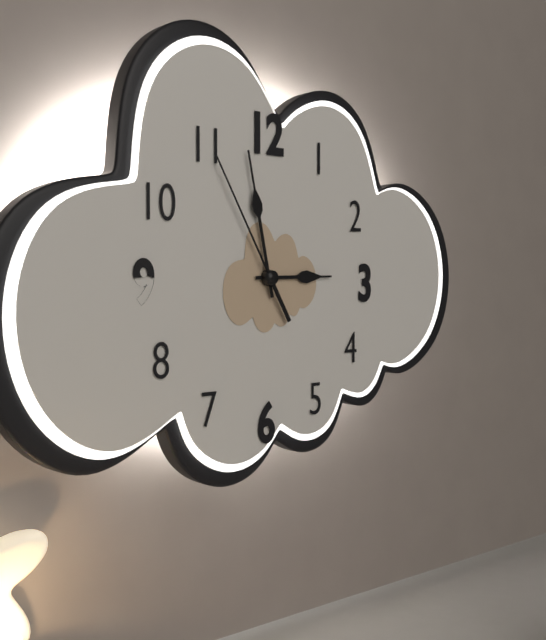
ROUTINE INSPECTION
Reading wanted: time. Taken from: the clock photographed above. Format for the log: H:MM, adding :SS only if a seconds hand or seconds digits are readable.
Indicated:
2:58:55
